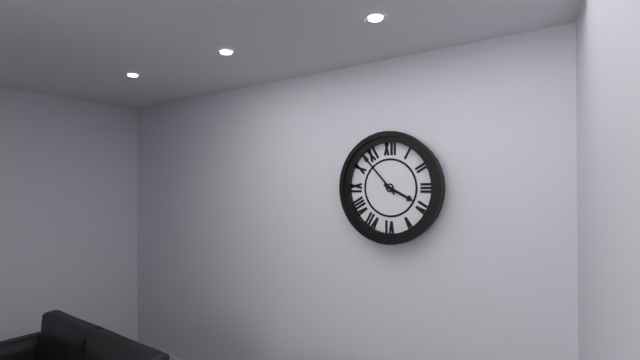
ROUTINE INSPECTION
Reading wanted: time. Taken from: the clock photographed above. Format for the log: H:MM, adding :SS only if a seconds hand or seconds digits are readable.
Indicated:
3:53
